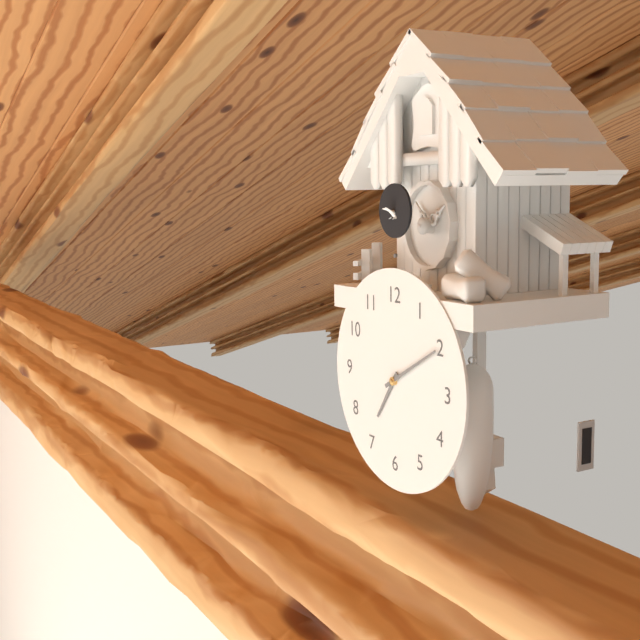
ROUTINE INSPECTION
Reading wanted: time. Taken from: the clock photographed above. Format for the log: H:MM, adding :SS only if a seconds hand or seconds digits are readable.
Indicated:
7:10
